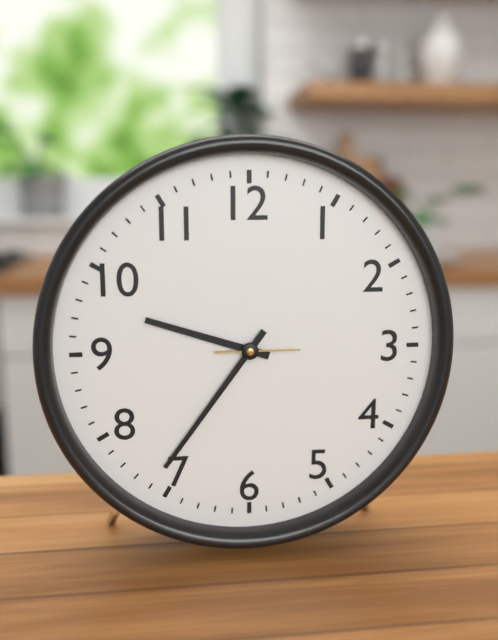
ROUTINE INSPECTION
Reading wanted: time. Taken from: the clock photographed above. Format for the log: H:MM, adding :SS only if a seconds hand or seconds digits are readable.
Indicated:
9:36:15
